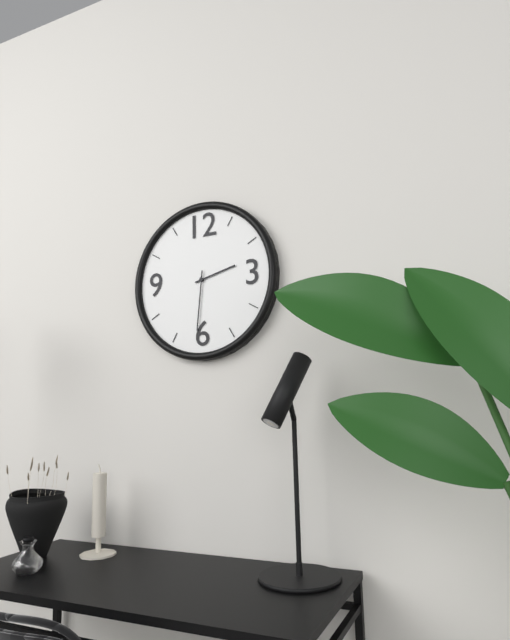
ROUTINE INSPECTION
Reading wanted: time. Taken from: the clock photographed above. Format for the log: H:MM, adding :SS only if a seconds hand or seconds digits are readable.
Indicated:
2:31
